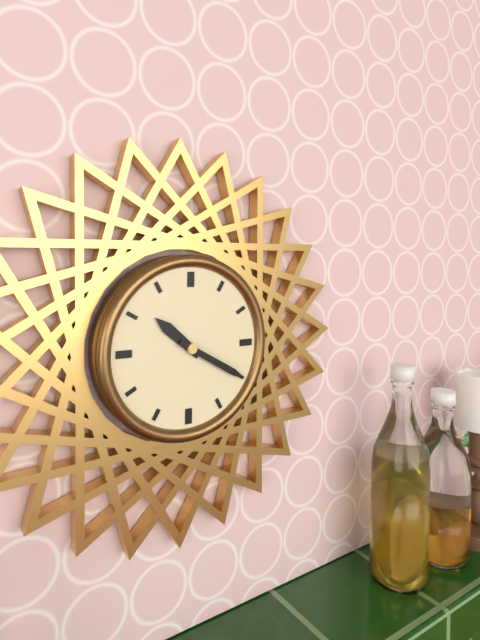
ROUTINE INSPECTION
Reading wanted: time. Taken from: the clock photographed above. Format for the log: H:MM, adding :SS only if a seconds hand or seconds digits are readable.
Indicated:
10:20
